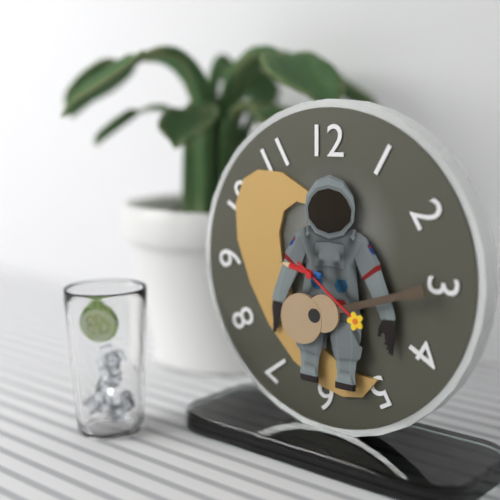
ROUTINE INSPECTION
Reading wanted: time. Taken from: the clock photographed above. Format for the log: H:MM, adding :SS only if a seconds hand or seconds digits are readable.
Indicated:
9:21
